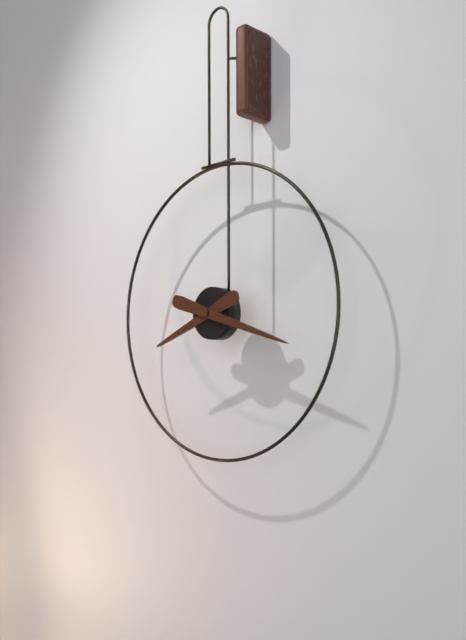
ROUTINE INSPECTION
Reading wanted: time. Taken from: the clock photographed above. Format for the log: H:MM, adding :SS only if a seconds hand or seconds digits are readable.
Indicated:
8:18
